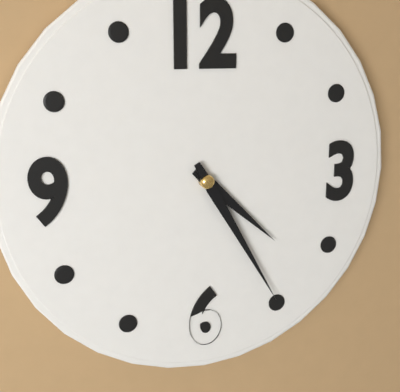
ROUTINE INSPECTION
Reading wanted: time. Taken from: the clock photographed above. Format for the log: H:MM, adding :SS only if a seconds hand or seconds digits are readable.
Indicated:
4:25
